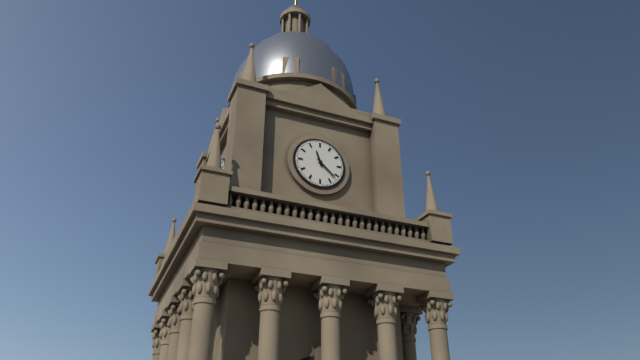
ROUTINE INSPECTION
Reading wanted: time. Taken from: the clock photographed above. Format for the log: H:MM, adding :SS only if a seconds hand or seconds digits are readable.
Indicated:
11:22
